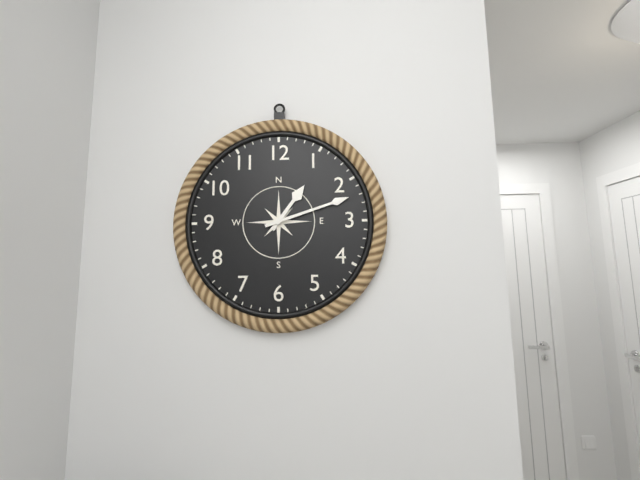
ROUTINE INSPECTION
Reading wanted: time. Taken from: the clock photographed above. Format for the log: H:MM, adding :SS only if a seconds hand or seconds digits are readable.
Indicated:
1:12
